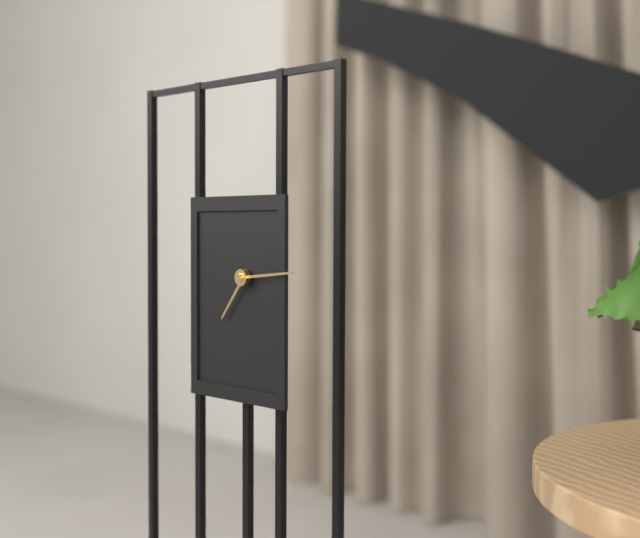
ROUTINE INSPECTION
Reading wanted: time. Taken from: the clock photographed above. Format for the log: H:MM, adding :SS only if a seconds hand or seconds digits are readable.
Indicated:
7:14
